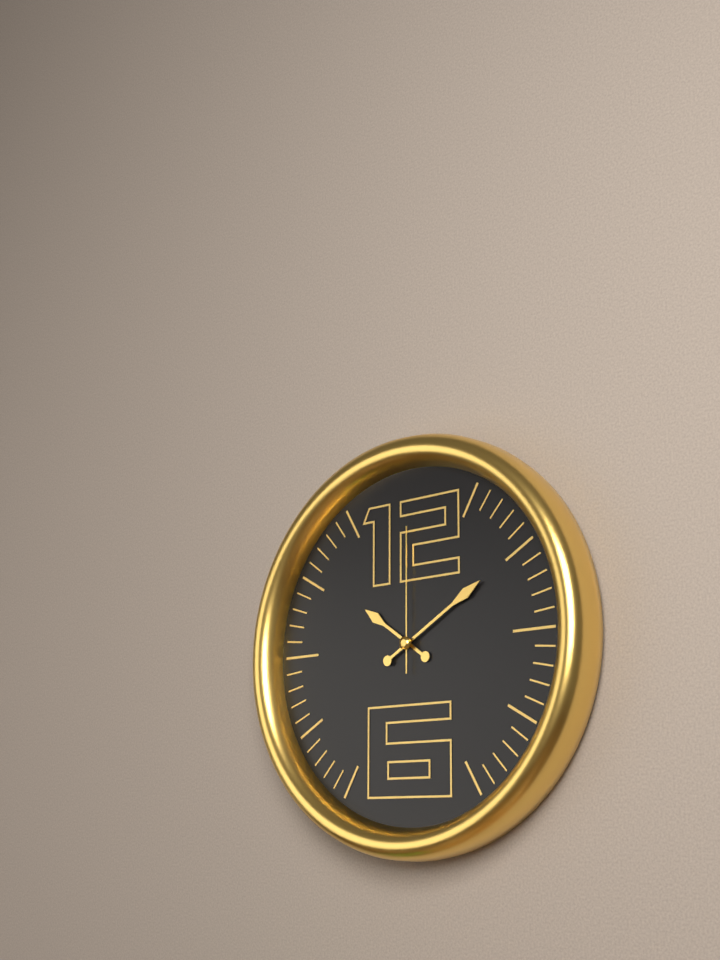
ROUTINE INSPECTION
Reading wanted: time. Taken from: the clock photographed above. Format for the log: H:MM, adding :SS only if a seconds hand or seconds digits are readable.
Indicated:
10:10:00
